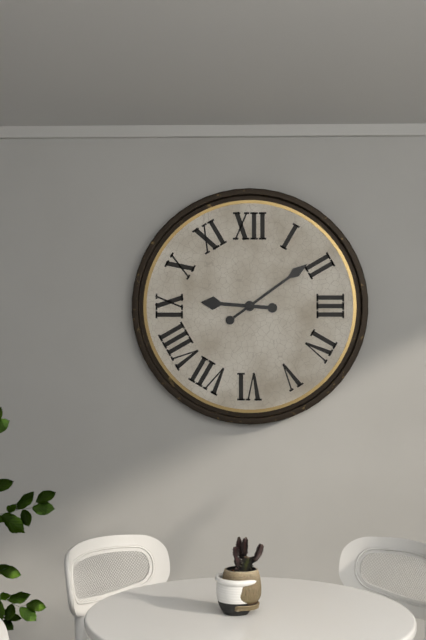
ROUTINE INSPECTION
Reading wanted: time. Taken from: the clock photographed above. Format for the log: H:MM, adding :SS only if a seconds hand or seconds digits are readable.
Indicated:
9:09
